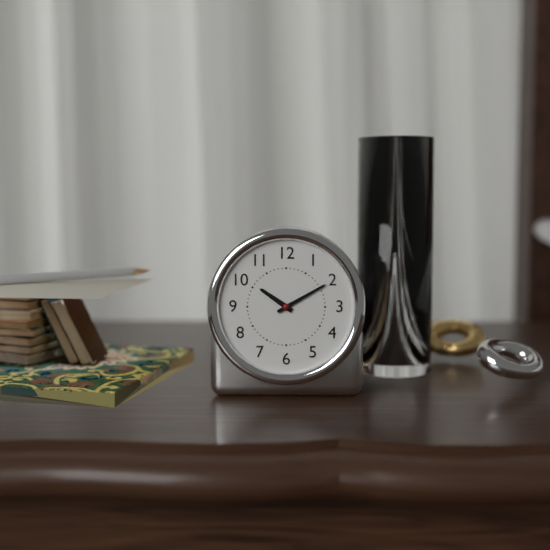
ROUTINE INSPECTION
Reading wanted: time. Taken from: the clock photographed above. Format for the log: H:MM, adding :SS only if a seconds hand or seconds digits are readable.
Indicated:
10:10
